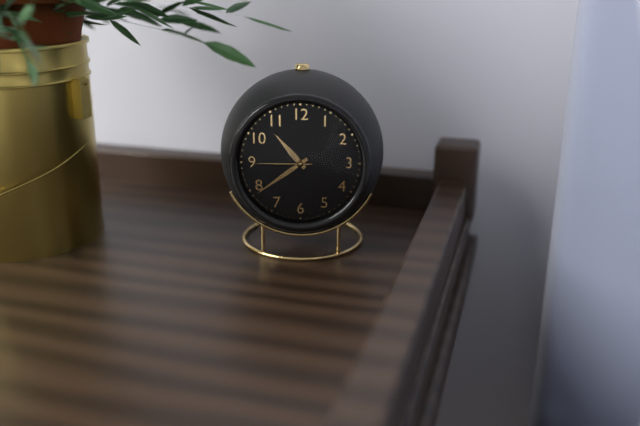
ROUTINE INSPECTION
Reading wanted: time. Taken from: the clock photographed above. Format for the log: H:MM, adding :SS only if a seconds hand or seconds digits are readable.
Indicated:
10:39:45
